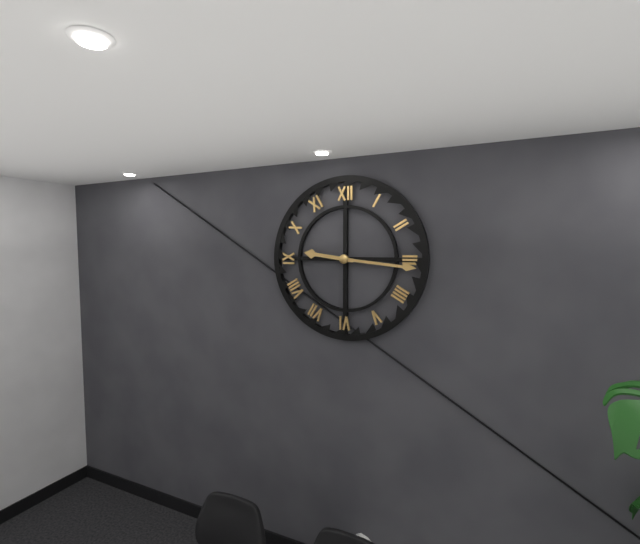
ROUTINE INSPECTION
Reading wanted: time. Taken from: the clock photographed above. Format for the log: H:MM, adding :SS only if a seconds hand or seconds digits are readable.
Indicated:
9:16
